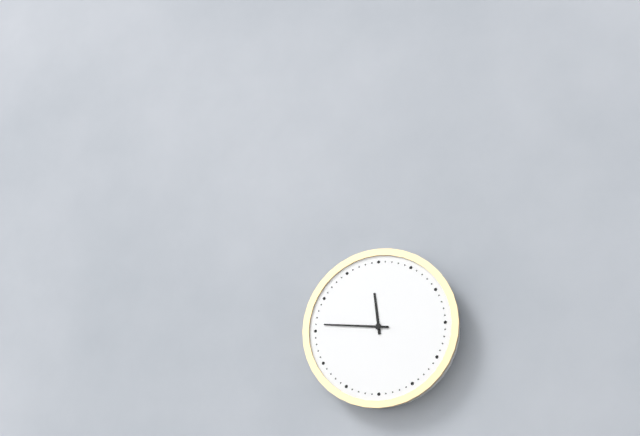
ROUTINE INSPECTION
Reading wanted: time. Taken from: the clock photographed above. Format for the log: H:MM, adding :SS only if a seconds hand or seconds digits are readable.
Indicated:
11:46
